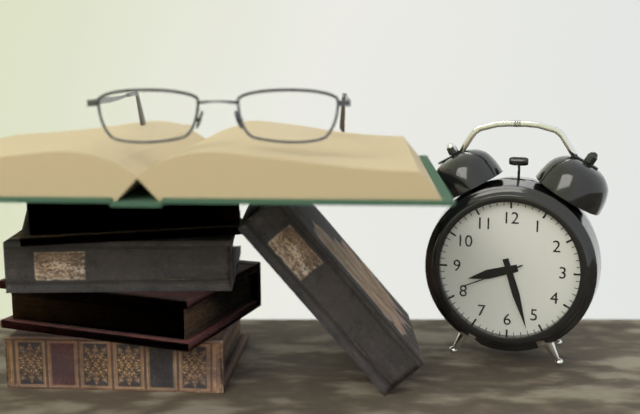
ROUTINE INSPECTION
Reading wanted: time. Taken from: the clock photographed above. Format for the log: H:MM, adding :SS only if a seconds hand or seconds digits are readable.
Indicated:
8:27:41
